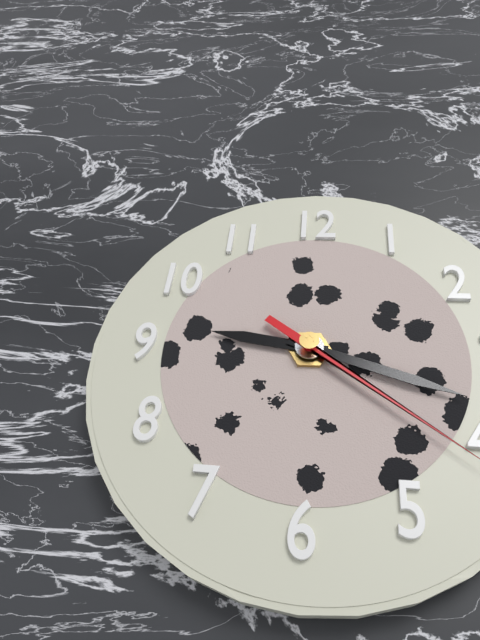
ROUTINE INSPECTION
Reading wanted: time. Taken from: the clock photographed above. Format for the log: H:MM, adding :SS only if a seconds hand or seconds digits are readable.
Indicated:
9:18
